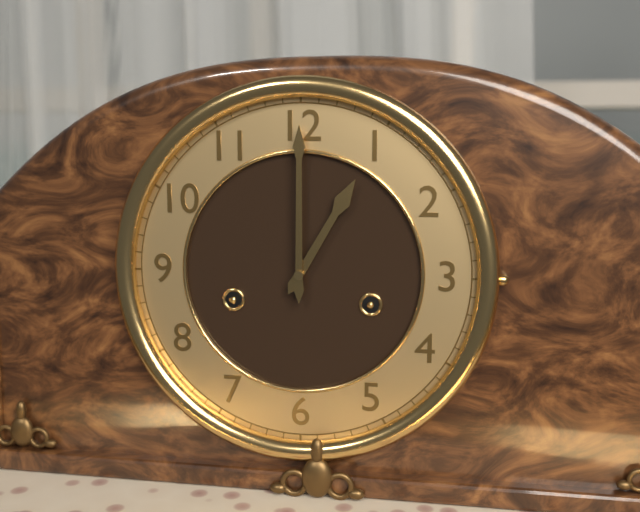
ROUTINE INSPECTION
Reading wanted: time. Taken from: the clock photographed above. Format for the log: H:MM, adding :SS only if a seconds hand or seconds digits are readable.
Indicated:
1:00
